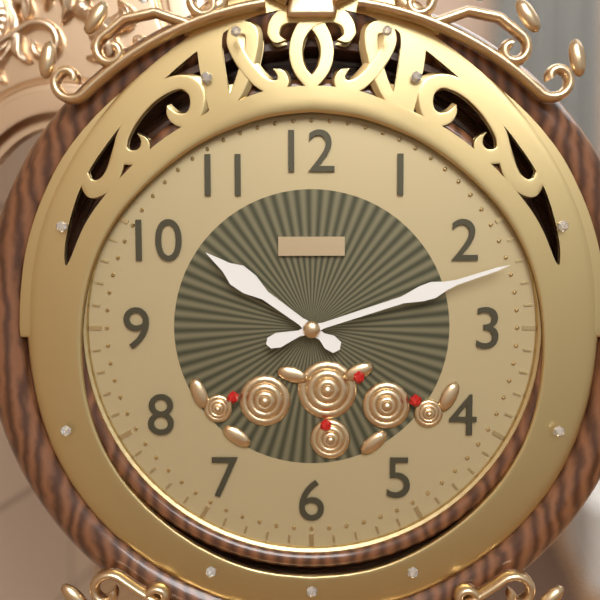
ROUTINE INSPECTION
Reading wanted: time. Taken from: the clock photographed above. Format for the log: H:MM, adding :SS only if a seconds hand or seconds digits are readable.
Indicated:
10:12
